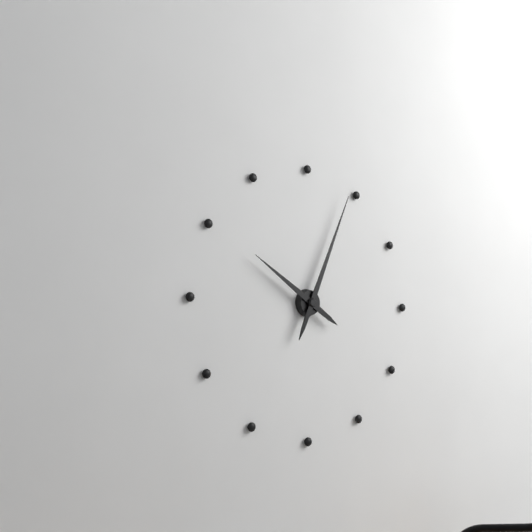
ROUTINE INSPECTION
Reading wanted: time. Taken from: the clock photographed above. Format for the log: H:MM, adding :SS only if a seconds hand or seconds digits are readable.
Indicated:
10:04
